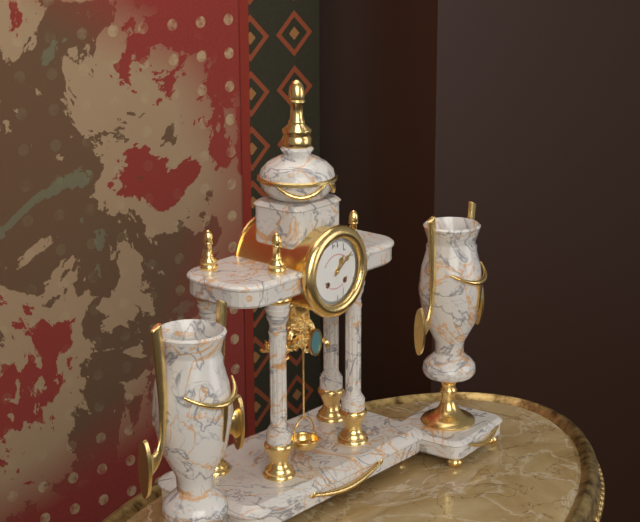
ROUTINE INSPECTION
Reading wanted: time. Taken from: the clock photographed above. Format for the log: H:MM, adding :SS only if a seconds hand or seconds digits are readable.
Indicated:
1:09
